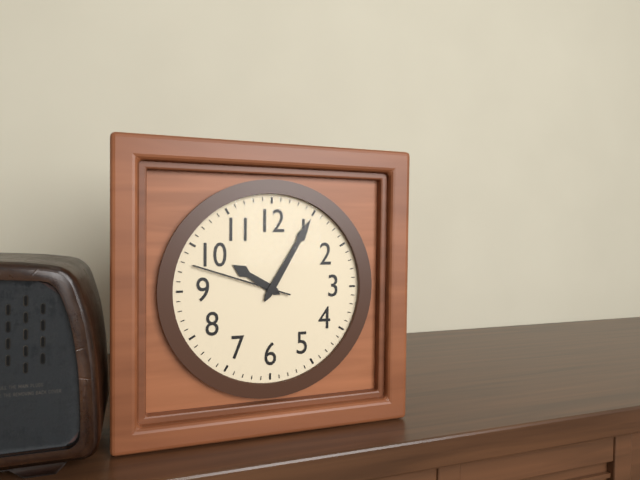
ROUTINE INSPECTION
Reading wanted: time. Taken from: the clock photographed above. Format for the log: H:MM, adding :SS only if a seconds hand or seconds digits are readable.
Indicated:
10:05:48
